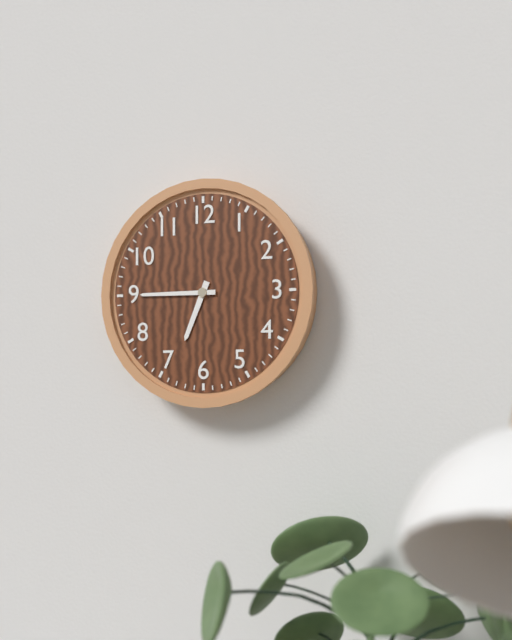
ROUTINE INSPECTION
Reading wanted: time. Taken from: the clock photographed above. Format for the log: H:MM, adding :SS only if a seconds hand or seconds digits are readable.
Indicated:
6:45
